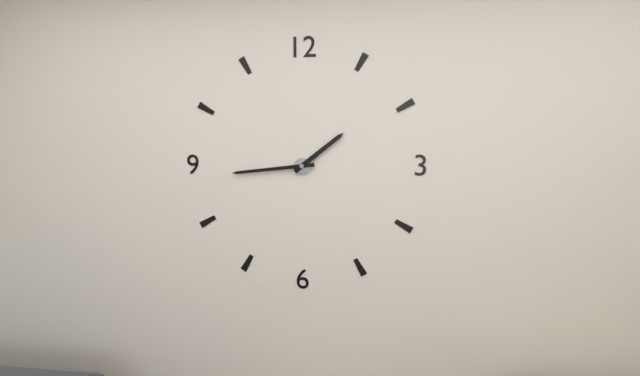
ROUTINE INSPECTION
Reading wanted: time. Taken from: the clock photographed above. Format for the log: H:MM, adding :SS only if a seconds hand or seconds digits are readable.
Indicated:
1:44
